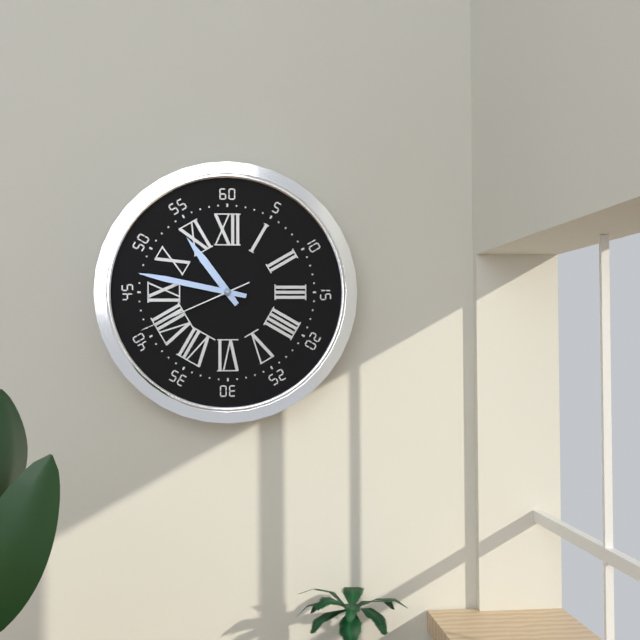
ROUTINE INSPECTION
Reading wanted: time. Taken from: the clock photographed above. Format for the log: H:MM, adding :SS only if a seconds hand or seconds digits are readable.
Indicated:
10:47:41
